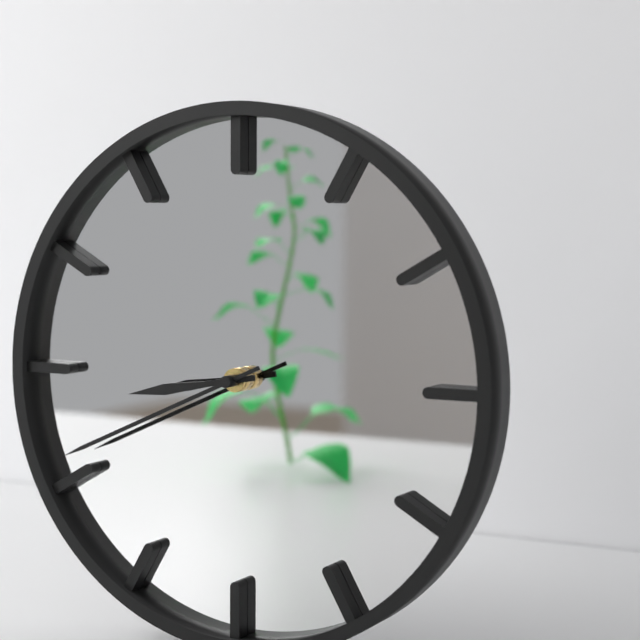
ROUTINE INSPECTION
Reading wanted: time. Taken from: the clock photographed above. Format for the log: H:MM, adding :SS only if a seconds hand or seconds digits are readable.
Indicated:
8:41
